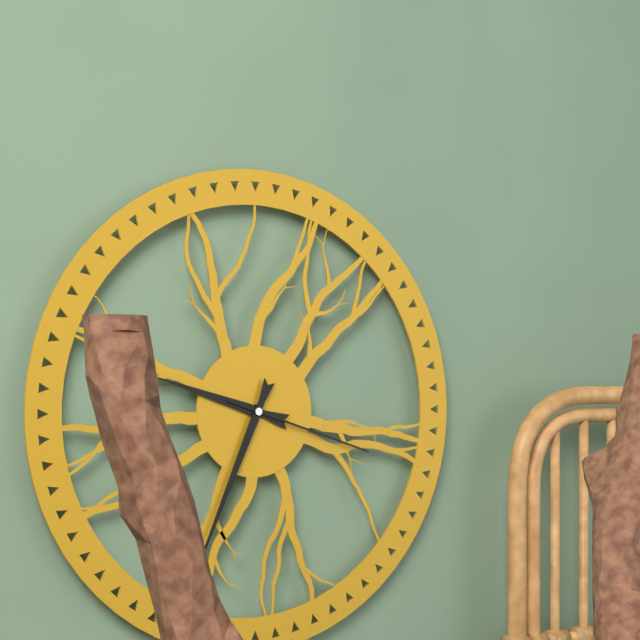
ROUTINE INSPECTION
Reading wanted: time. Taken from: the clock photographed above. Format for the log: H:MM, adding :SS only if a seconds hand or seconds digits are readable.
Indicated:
9:34:18
